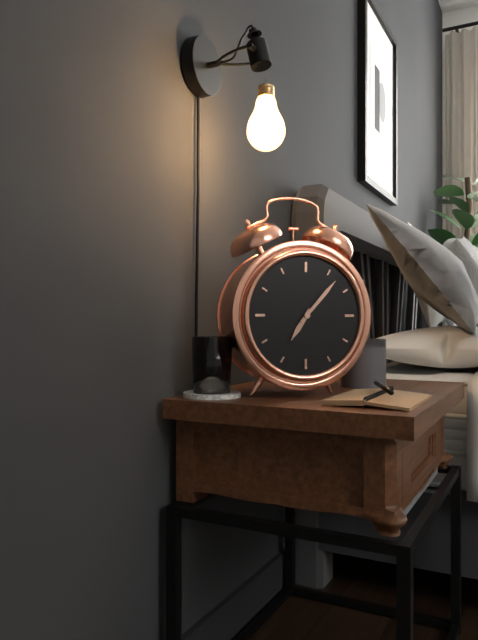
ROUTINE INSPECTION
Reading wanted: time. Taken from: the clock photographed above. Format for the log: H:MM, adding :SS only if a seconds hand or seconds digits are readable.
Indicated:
7:07
